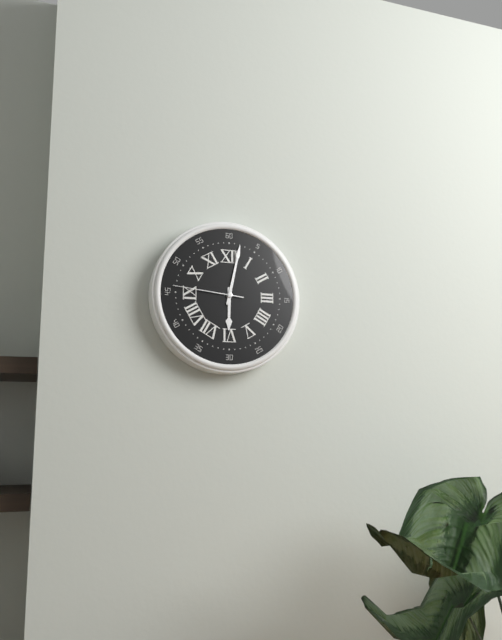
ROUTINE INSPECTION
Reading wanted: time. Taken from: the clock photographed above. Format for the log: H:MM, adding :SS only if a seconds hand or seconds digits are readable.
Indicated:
6:02:46
